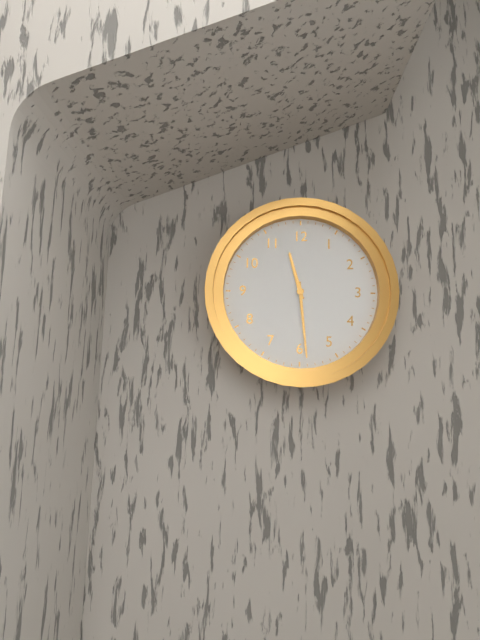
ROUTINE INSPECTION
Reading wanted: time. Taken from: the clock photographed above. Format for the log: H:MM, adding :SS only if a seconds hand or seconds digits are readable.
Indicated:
11:29
